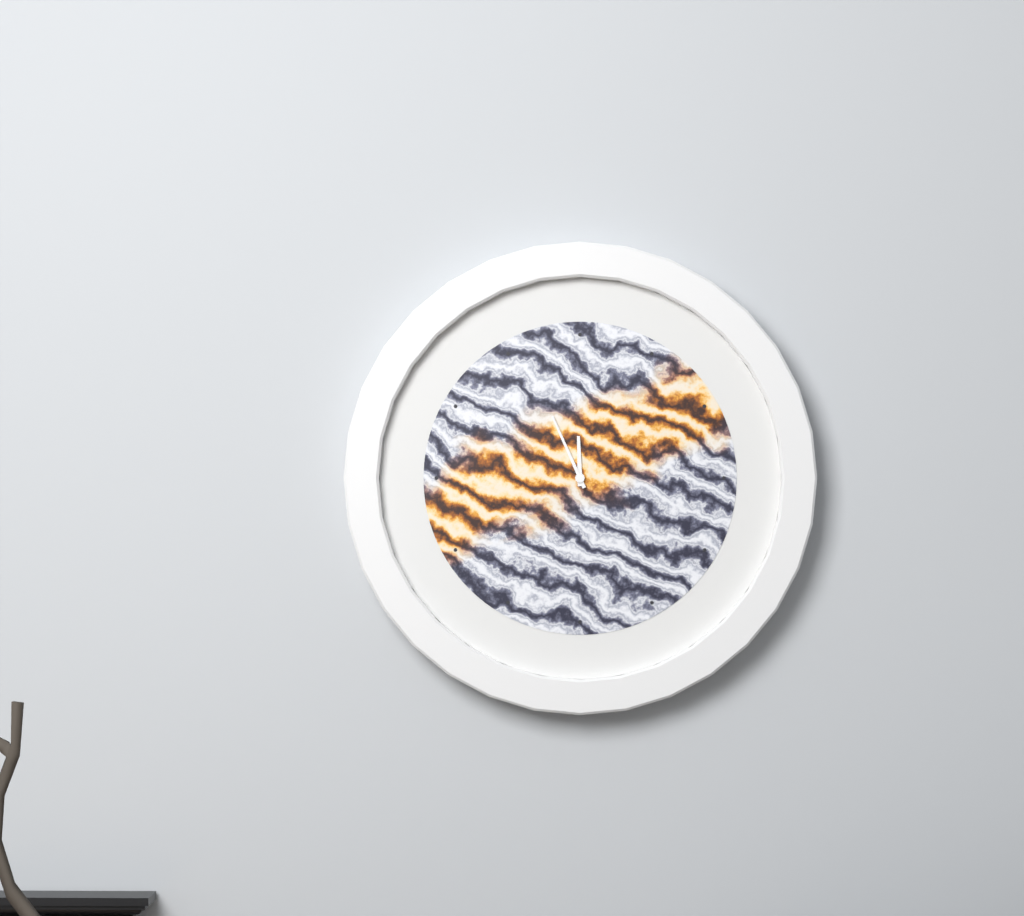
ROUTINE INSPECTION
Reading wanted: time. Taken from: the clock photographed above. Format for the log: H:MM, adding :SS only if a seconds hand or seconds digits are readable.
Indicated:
11:56
